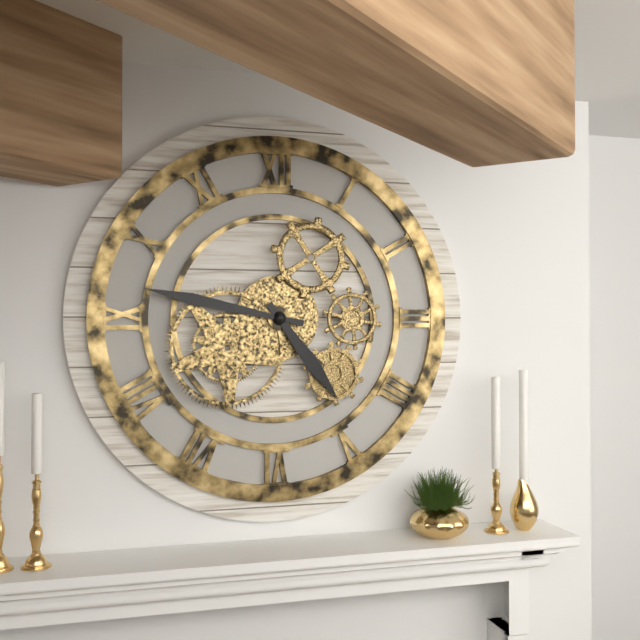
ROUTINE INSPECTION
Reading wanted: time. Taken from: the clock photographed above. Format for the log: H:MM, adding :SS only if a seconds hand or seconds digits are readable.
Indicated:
4:47
